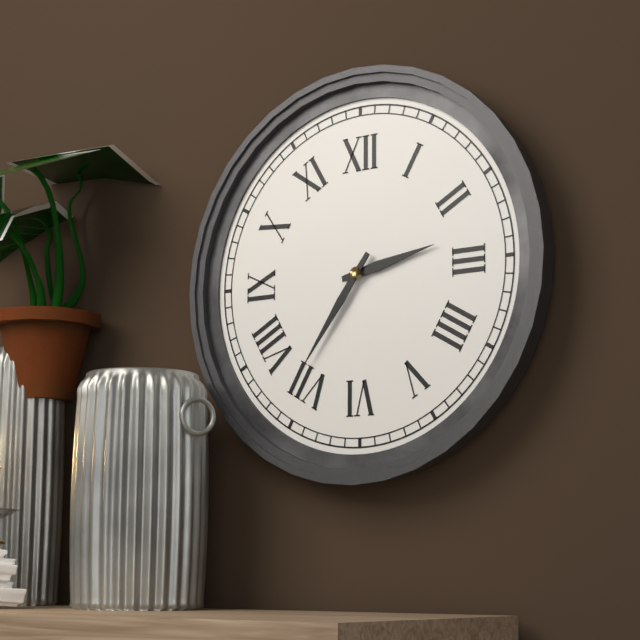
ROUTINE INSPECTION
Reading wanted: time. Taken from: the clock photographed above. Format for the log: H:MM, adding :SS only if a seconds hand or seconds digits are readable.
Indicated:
2:36
